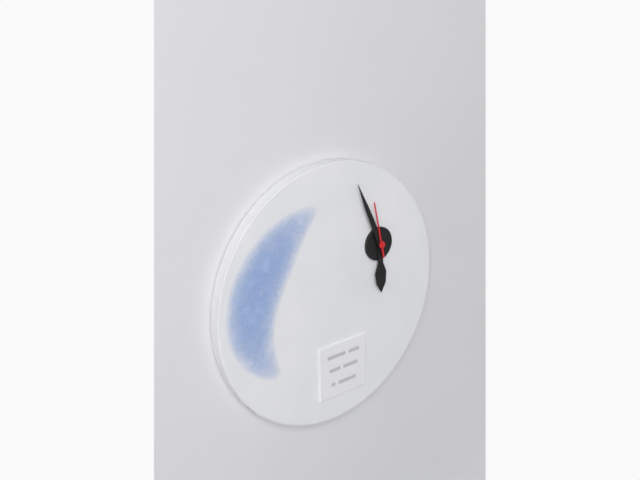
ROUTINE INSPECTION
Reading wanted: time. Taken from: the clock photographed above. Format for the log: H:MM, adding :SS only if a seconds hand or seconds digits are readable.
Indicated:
5:56:58
